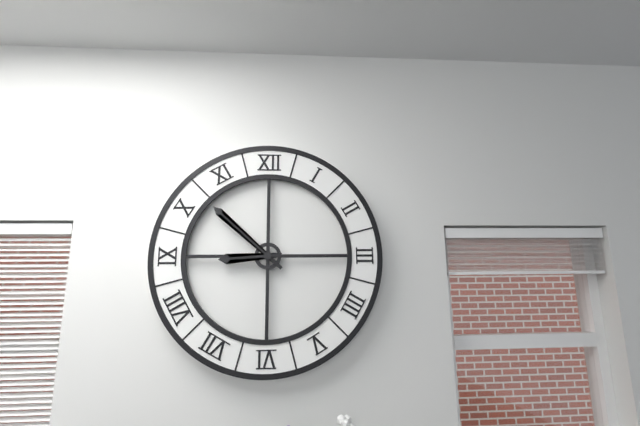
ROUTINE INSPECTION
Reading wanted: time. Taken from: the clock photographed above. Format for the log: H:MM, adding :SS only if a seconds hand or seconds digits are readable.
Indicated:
8:52
